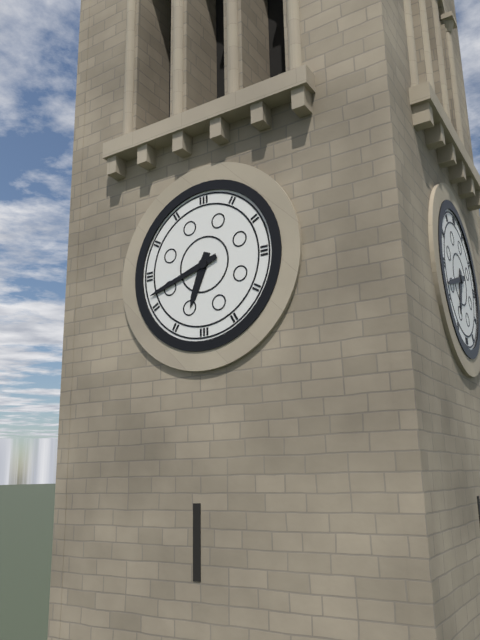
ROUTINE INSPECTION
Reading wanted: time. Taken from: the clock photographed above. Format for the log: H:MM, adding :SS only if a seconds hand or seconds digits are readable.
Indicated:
6:42
